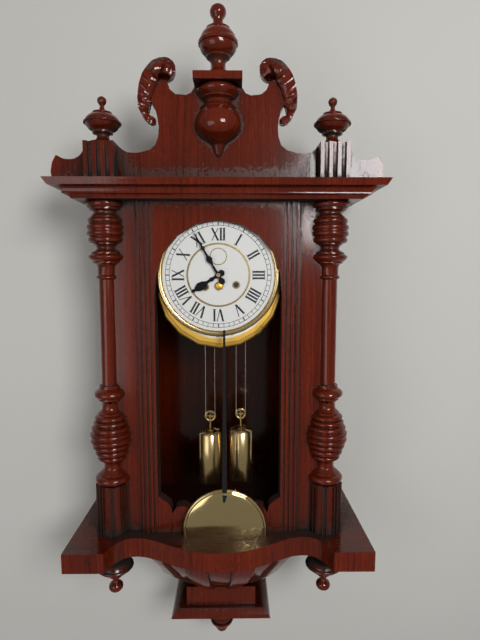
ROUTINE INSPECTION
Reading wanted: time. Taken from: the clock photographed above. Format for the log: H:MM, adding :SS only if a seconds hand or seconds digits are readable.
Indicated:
7:55
